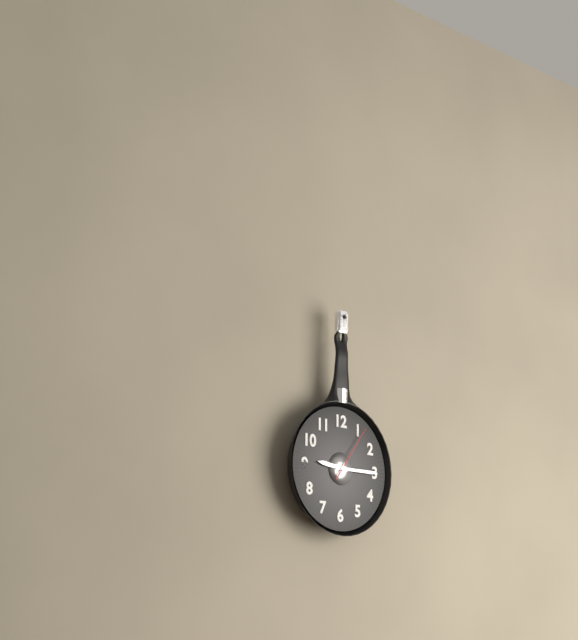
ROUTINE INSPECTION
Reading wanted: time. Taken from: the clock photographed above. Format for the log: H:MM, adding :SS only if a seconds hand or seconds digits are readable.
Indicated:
9:15:06
